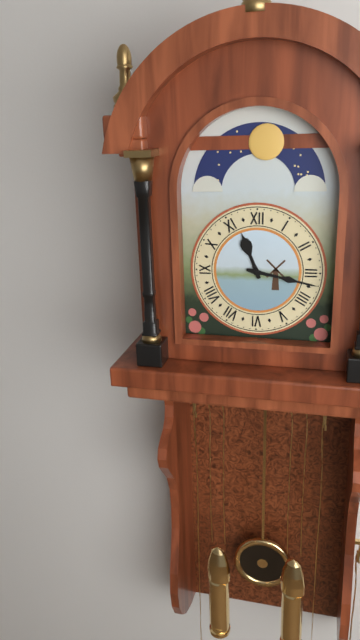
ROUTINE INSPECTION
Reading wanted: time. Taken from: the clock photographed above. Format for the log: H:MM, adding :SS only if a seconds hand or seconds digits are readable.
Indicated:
11:17
